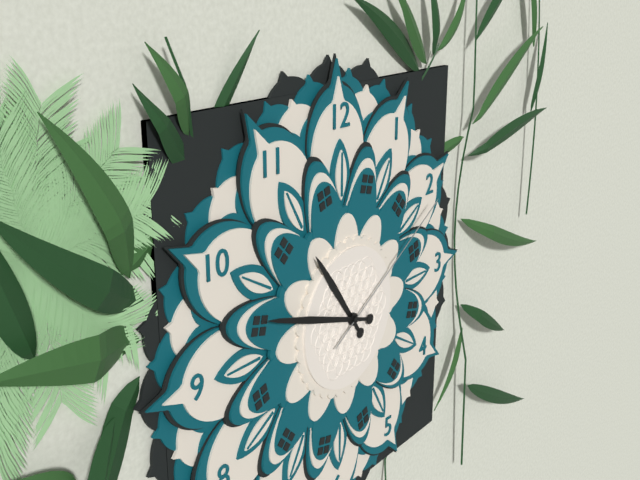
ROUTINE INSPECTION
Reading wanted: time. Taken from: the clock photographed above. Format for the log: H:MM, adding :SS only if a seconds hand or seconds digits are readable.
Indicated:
10:48:10
